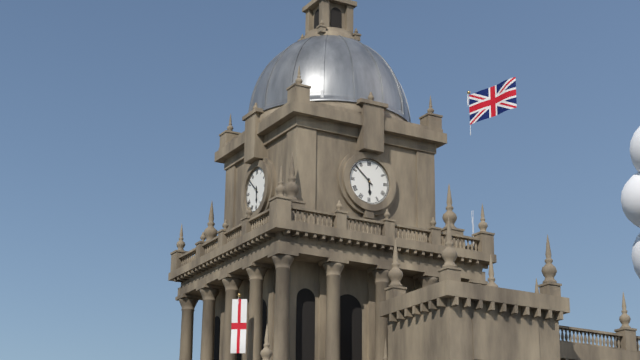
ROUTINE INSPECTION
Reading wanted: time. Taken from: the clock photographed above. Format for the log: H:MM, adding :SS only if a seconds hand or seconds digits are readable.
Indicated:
5:52
